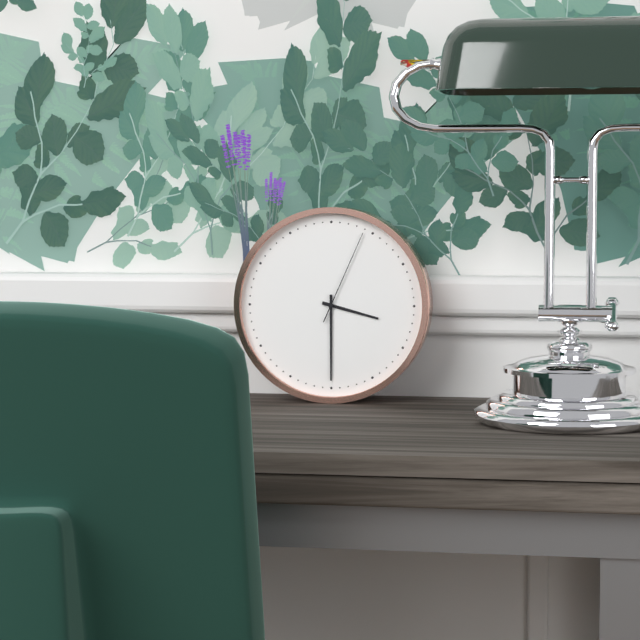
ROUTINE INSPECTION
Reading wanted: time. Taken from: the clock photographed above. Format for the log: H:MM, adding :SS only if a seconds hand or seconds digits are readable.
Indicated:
3:30:04
